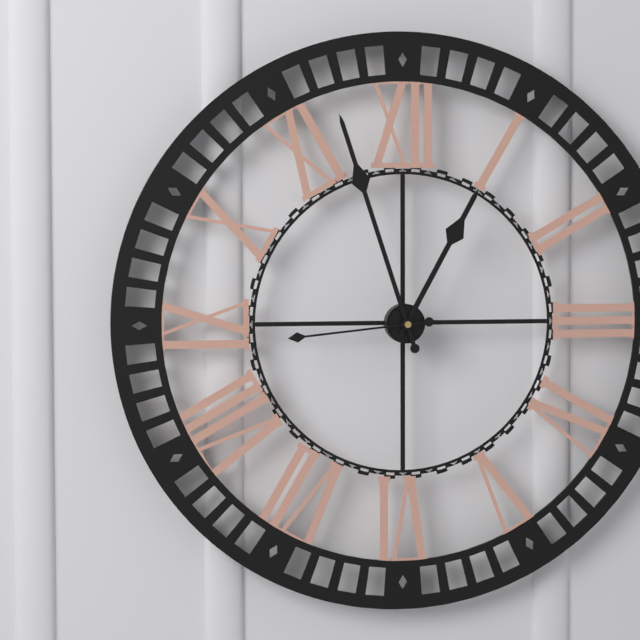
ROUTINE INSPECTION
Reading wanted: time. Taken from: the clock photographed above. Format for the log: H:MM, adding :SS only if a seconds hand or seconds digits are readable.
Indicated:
12:57:44
